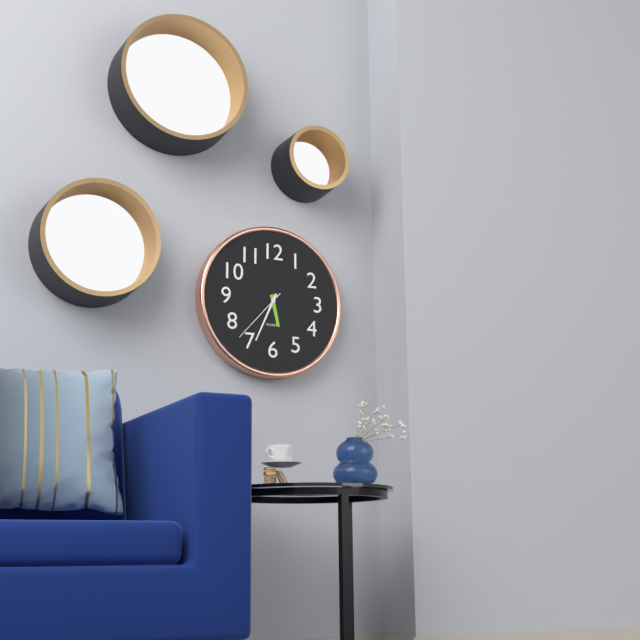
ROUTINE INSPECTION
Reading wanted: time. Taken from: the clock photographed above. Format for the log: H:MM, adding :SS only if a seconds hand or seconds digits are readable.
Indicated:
5:34:37
